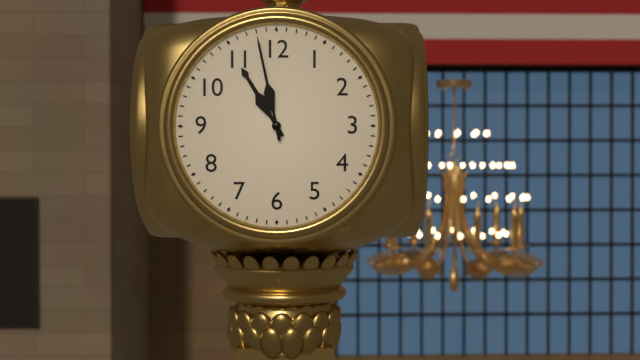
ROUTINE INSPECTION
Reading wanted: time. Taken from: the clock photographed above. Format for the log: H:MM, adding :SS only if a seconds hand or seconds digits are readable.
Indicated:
10:58
